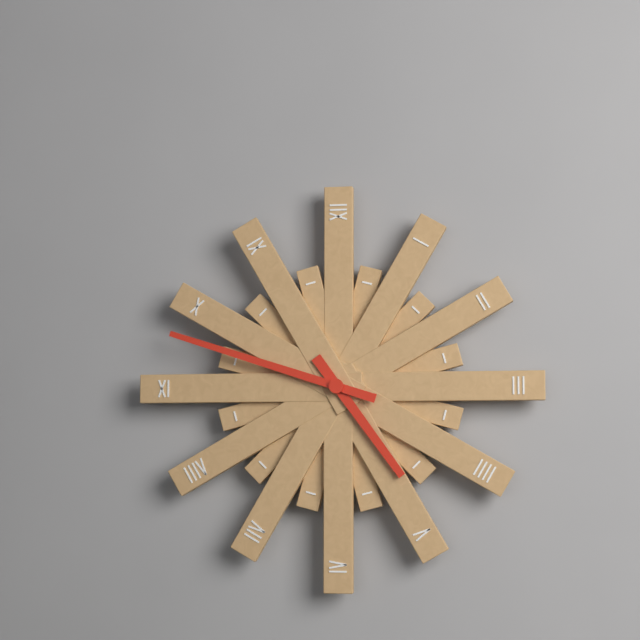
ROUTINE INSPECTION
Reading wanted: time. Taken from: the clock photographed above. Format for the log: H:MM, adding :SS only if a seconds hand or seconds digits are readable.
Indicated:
4:48
